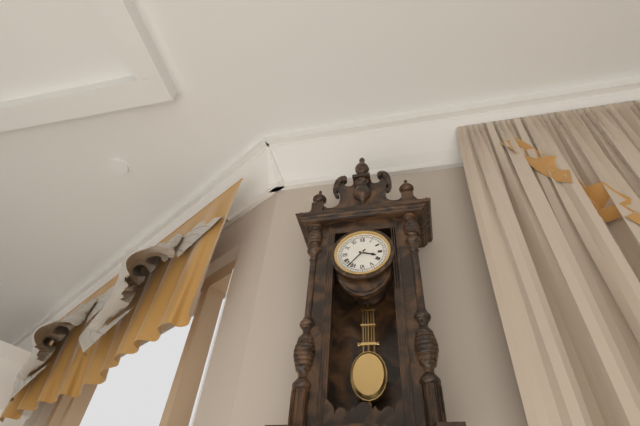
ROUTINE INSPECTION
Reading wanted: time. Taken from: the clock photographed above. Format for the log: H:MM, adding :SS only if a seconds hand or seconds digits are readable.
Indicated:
3:37
